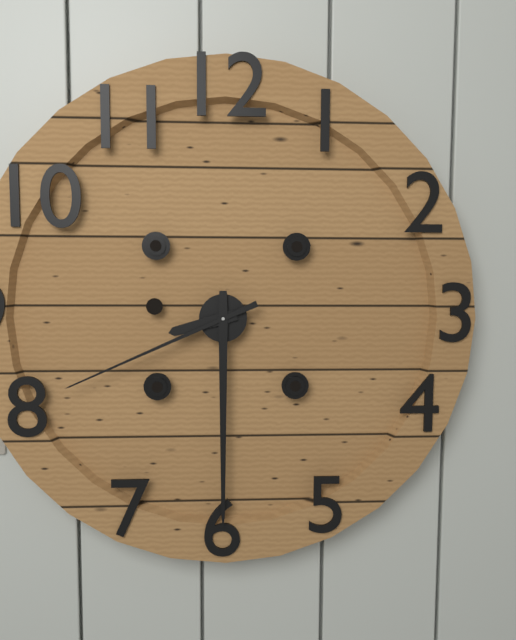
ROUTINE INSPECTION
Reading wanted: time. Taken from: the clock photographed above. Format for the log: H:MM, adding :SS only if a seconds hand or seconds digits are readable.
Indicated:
8:30:41
